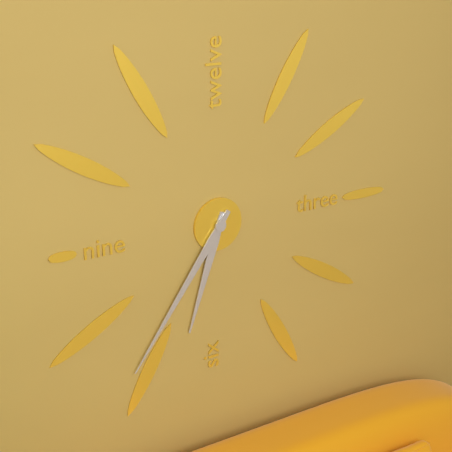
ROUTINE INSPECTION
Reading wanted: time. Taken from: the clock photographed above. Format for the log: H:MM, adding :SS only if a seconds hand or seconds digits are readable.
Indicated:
6:36
